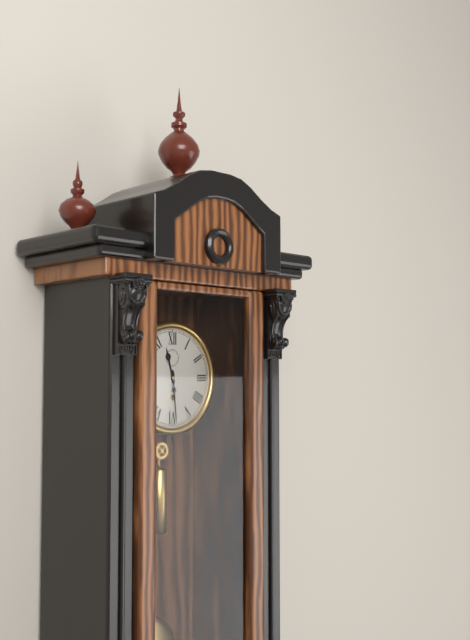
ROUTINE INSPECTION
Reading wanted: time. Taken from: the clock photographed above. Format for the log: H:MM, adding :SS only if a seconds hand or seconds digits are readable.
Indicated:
11:29
